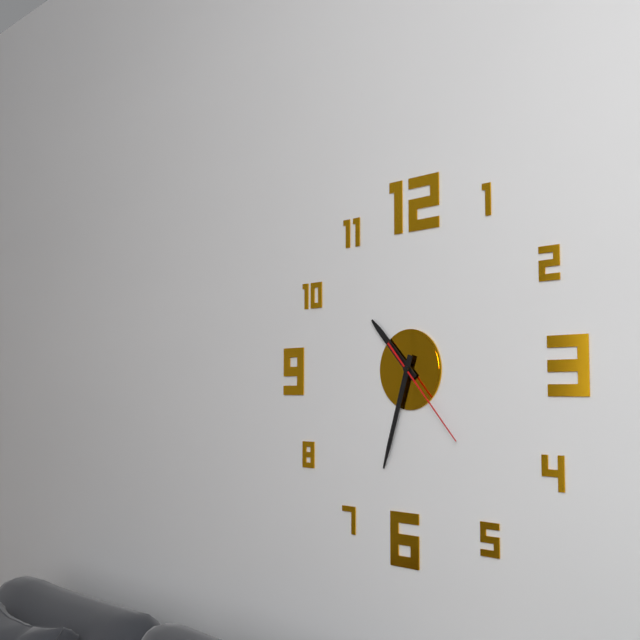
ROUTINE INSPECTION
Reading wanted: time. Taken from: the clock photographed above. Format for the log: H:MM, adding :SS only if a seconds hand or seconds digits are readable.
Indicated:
10:33:23
